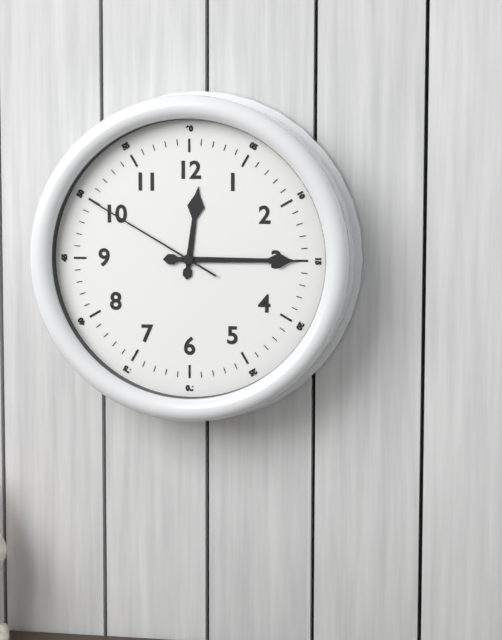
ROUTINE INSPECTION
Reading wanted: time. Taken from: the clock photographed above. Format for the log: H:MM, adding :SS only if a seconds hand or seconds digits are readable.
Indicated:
12:15:50
